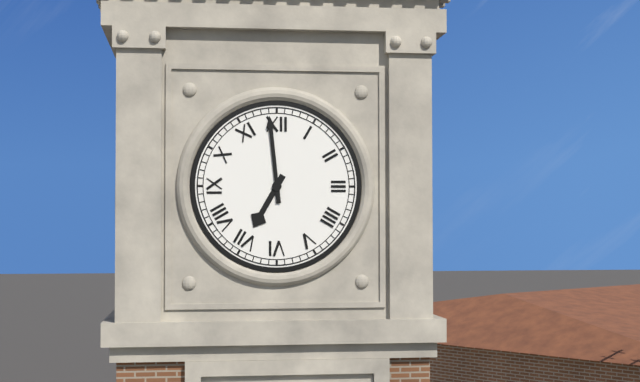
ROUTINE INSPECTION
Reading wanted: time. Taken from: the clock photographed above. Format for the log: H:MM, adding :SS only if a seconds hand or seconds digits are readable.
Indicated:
6:59
